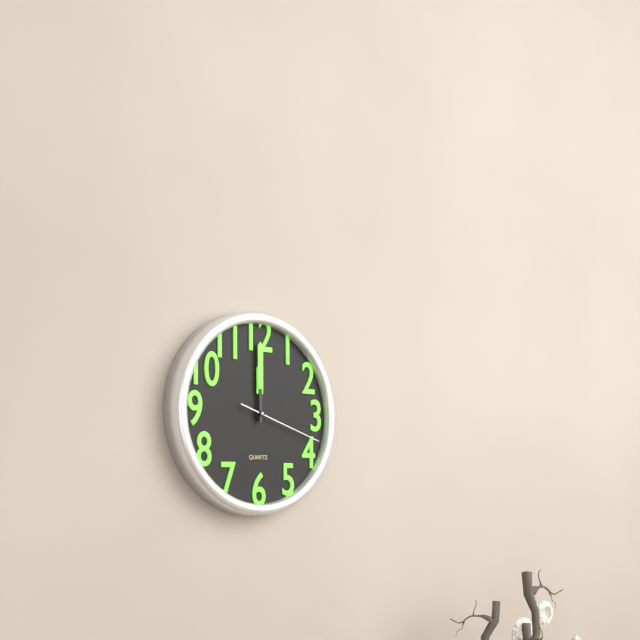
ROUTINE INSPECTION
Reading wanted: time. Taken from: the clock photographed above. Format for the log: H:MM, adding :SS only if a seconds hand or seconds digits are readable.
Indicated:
12:00:18
